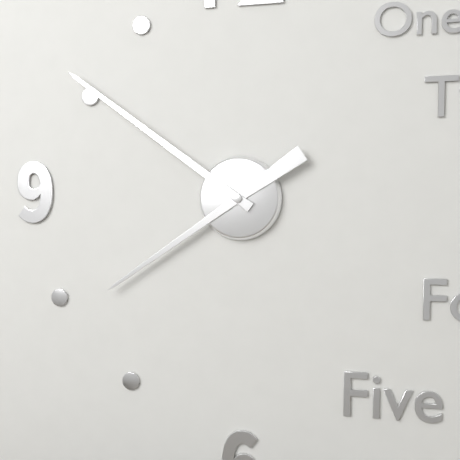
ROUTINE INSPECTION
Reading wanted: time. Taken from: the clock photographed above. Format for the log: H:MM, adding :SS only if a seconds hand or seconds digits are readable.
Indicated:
7:51
